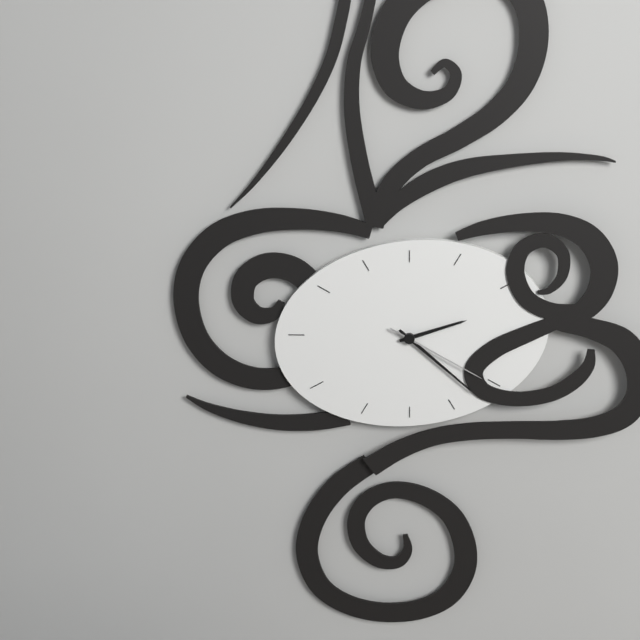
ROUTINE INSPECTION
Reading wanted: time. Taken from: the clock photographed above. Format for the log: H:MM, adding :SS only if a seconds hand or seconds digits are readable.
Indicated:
2:22:20
